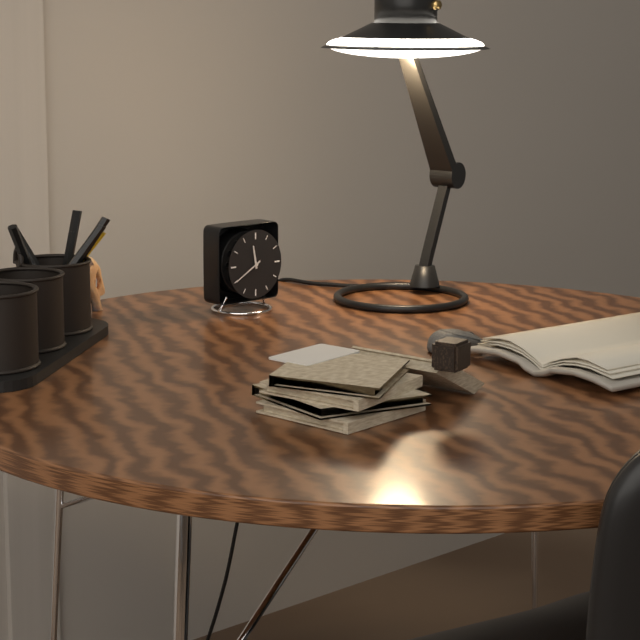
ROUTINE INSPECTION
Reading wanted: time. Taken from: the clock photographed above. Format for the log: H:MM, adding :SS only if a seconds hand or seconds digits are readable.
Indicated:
11:40
